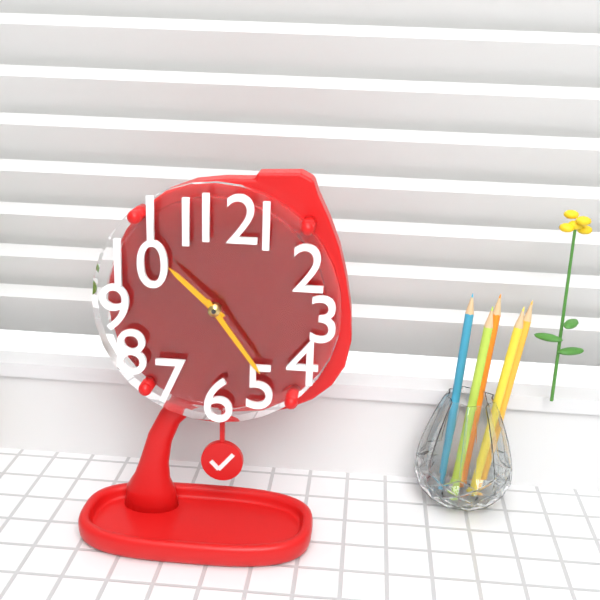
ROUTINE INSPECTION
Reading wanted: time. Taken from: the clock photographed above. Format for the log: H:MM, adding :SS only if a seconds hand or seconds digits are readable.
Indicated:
10:24
